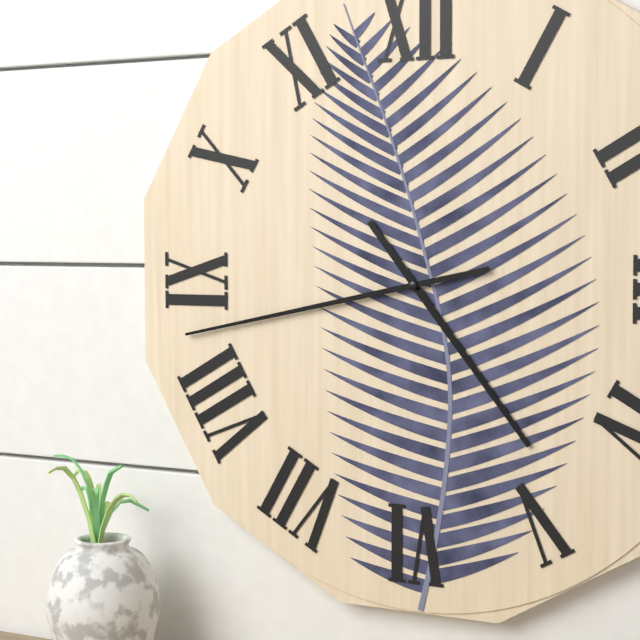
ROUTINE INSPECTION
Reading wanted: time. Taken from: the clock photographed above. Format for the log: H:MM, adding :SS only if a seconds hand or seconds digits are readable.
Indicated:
4:43
